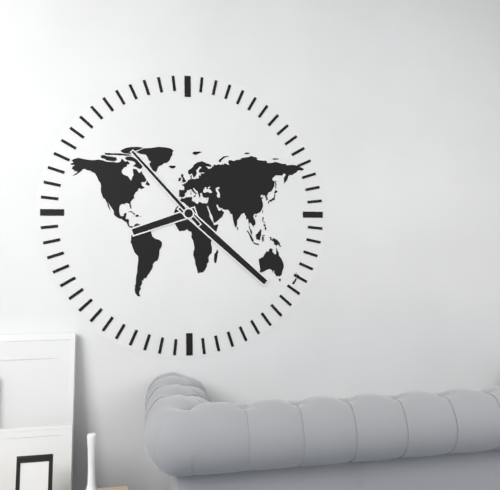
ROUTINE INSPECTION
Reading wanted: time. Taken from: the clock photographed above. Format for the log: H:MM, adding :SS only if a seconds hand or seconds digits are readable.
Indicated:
8:22:53
